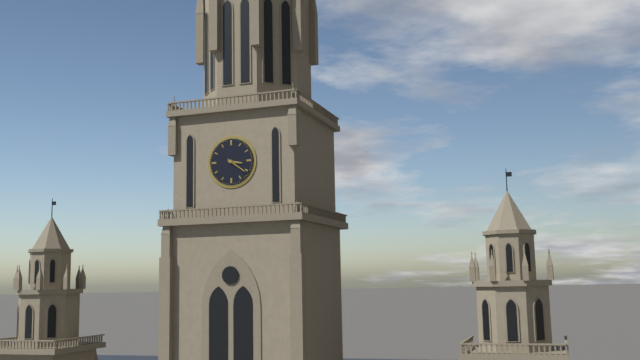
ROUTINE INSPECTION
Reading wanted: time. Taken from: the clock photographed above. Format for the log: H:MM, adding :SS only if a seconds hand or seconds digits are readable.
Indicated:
3:21
